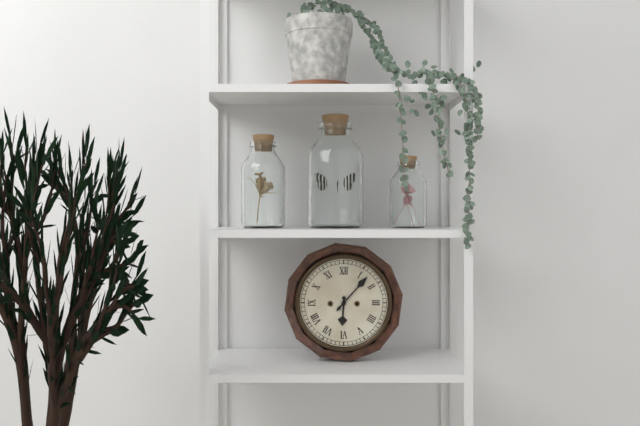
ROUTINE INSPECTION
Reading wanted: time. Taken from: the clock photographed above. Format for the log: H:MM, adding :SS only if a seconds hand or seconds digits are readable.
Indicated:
6:07
